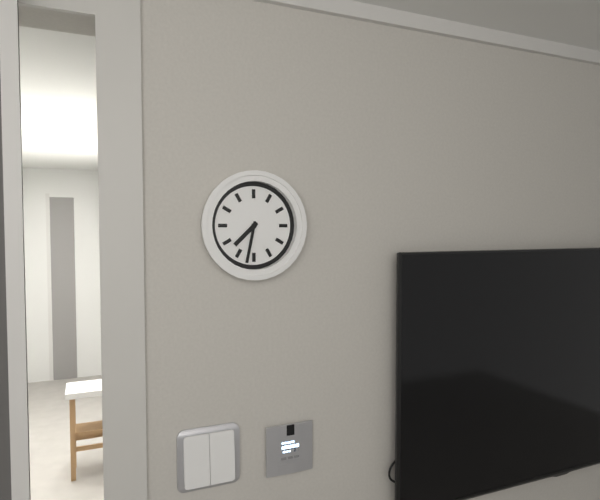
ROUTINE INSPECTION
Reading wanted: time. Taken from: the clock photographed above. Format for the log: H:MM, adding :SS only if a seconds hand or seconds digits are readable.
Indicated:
7:32
